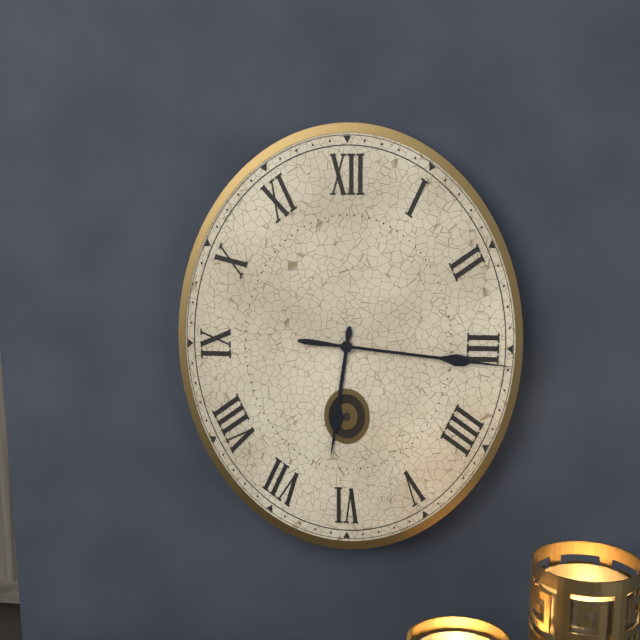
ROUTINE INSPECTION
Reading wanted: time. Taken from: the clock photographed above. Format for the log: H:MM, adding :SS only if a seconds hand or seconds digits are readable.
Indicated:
6:16
